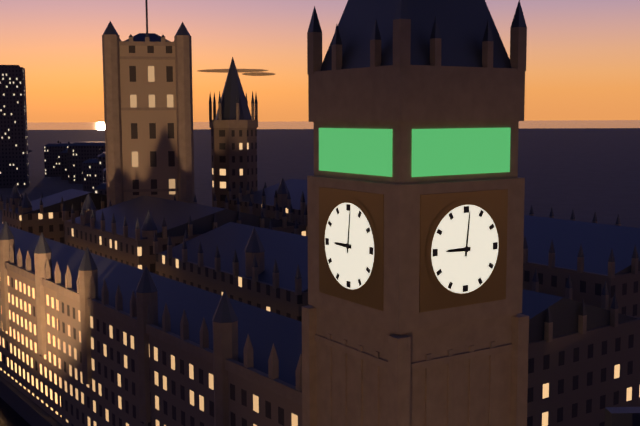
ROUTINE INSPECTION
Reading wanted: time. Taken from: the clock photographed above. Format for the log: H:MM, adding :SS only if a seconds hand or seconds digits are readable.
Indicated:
9:01
